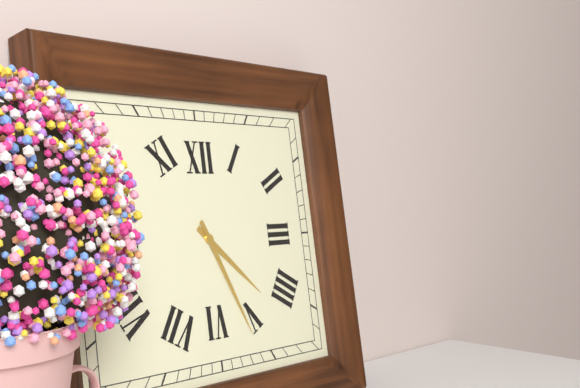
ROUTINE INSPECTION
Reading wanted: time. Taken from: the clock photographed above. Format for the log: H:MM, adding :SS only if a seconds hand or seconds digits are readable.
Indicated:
4:26
